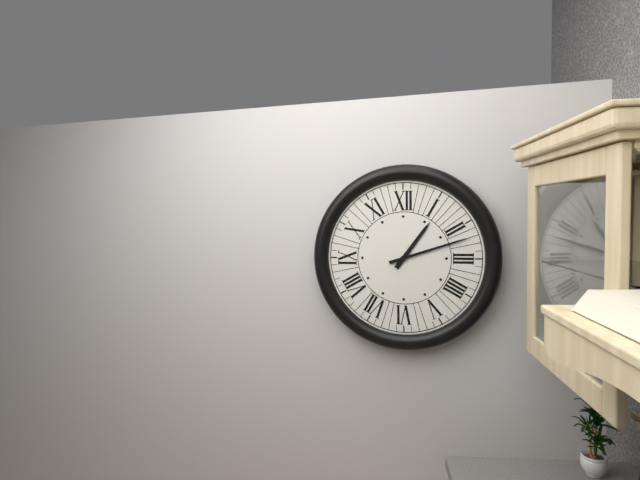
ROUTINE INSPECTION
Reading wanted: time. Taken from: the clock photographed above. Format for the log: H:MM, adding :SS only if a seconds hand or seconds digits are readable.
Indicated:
1:12
